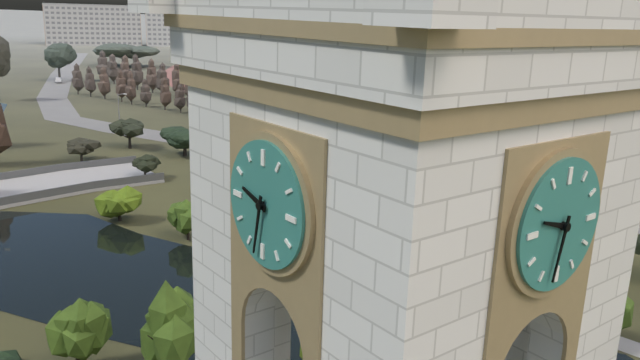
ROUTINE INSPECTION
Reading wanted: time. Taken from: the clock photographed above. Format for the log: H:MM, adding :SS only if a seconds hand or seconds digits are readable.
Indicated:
9:32
